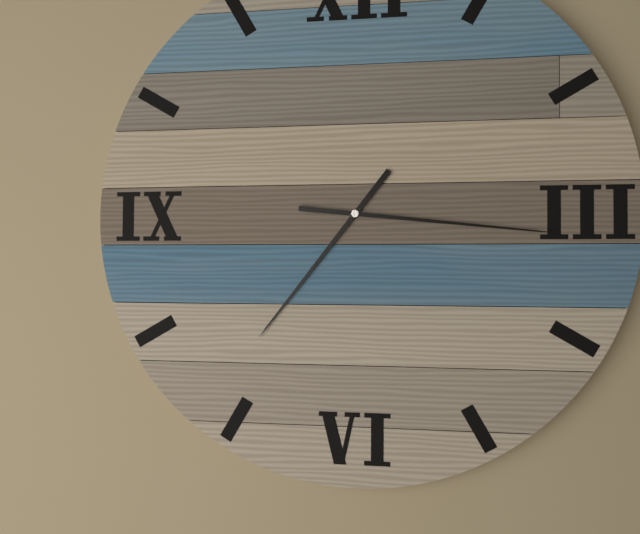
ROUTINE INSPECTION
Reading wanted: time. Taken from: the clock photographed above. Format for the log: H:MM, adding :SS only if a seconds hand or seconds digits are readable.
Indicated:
7:16
